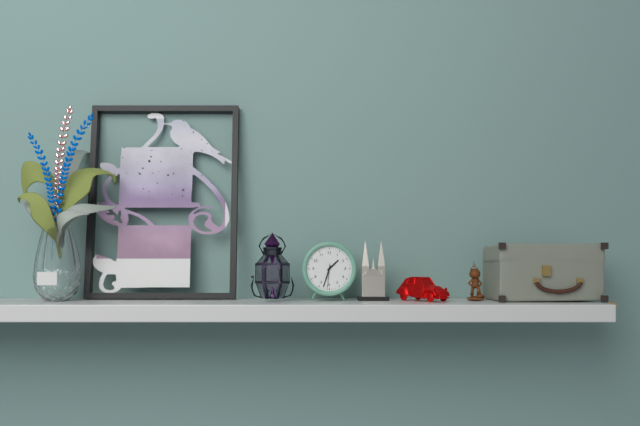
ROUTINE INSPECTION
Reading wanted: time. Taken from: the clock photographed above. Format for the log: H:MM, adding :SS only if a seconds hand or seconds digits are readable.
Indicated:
1:33
